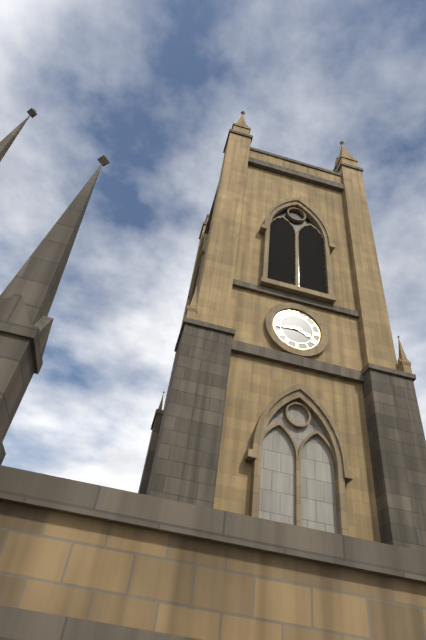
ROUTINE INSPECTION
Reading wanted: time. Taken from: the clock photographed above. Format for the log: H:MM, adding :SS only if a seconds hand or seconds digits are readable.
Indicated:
3:44
